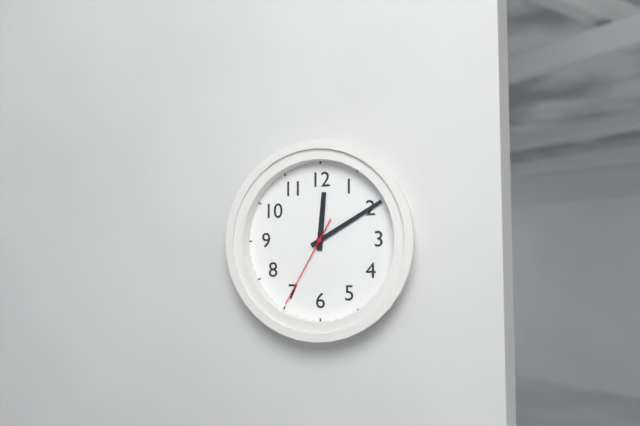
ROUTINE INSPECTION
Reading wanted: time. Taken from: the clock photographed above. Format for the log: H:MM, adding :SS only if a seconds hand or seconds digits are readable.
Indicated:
12:10:35
